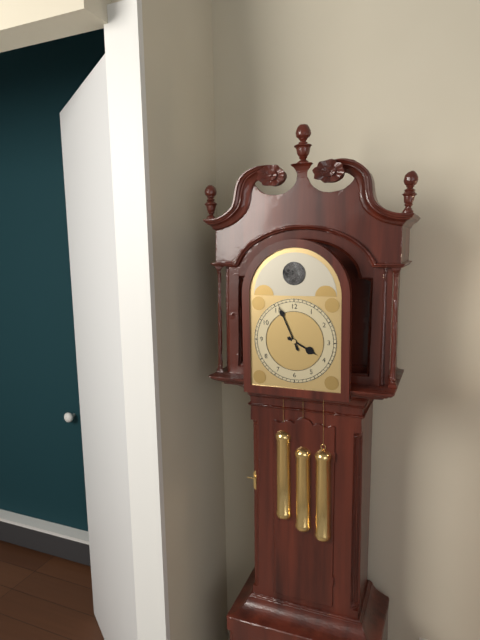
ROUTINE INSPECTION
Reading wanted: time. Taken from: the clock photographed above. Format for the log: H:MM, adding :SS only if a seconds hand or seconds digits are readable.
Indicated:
3:56
